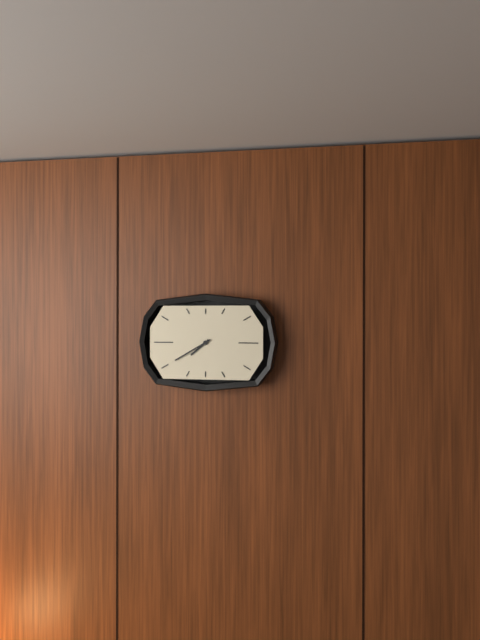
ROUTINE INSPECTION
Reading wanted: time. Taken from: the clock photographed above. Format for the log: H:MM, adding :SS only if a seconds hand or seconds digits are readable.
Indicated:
7:40
